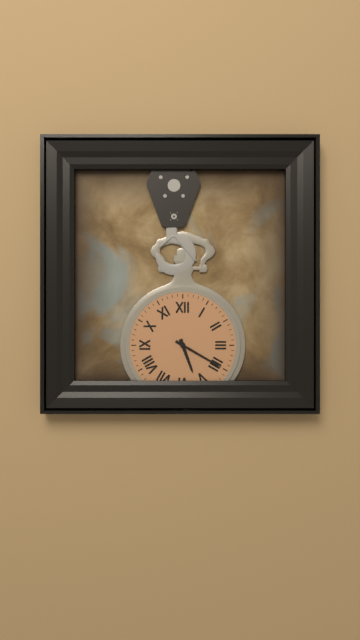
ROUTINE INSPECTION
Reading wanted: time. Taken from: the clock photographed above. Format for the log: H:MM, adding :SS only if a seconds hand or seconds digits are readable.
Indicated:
5:20
